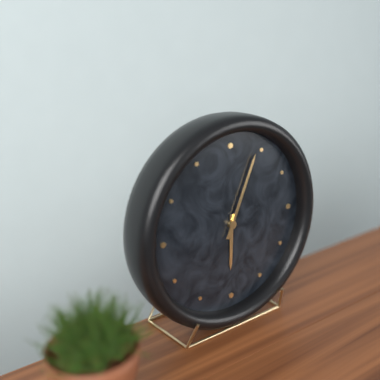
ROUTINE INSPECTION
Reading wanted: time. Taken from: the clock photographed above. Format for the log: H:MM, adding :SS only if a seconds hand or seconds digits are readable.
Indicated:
6:04
